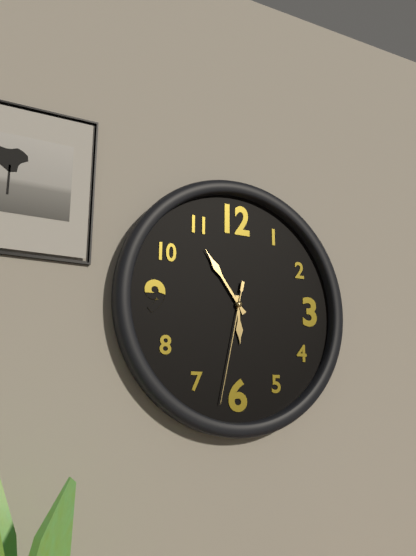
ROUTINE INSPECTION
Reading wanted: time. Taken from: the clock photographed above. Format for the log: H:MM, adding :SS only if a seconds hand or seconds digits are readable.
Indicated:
5:54:32
